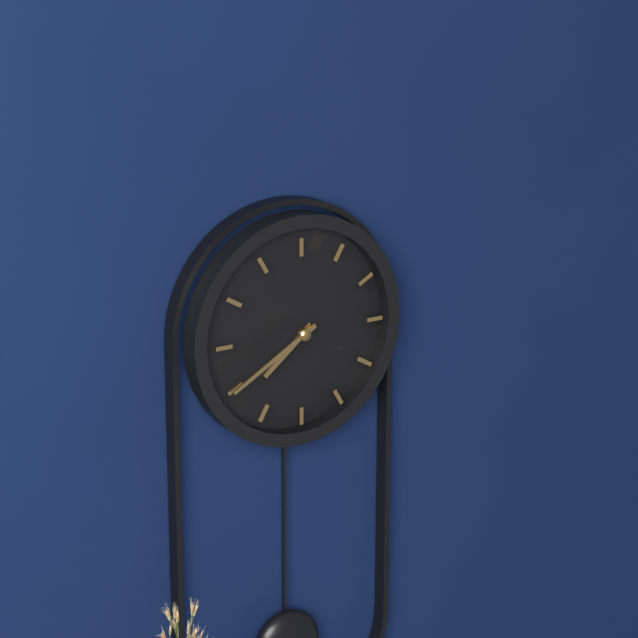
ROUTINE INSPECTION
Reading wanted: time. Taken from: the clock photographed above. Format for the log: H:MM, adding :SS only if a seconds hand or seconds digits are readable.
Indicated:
7:40
